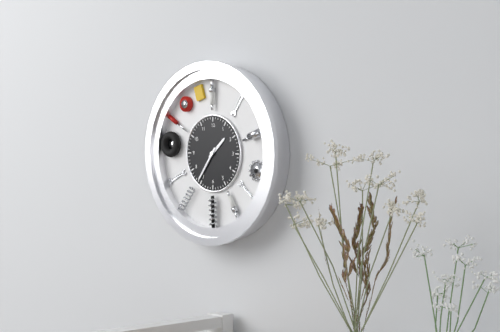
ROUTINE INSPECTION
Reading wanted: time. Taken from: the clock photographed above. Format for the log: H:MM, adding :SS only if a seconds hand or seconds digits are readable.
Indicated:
1:36
